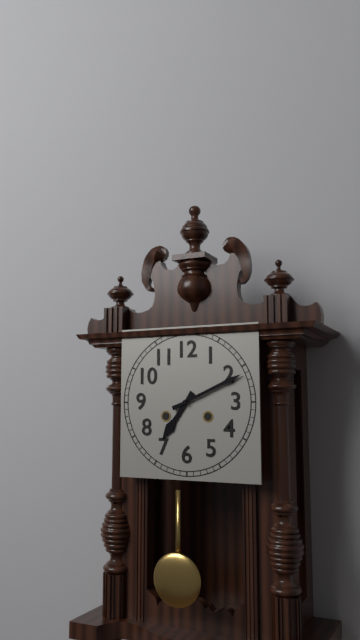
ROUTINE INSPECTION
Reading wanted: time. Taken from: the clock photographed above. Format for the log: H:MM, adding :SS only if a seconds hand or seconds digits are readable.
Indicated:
7:11
